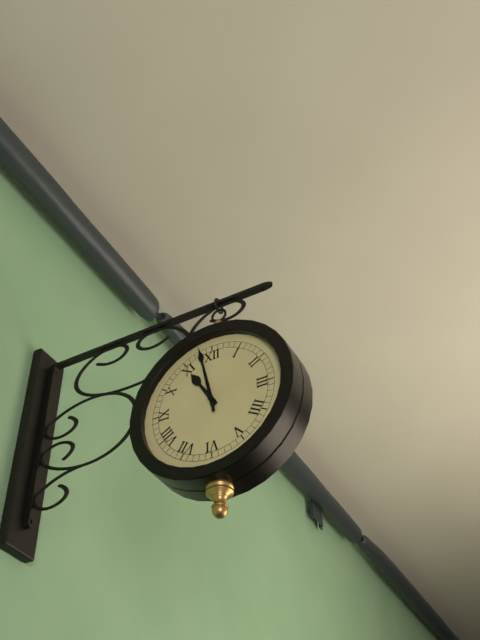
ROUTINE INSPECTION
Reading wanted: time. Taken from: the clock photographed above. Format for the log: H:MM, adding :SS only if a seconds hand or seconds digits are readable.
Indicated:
10:58:58
